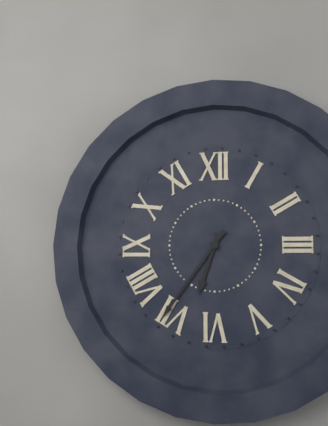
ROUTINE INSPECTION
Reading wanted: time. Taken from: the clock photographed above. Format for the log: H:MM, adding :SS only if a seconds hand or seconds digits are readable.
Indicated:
6:36
